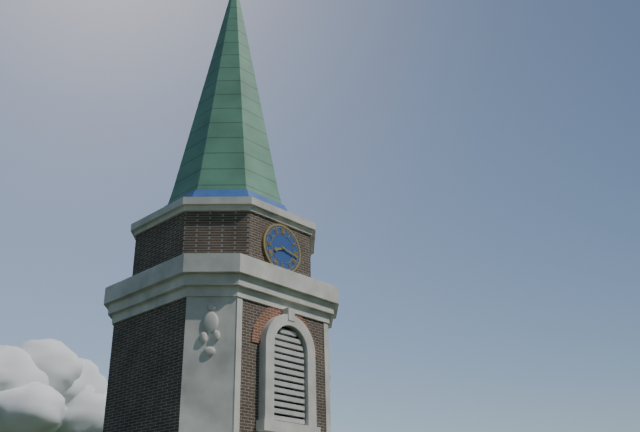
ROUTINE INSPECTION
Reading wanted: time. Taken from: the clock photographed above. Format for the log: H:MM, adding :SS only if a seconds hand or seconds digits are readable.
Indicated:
8:17
